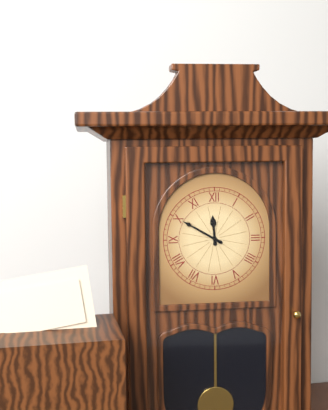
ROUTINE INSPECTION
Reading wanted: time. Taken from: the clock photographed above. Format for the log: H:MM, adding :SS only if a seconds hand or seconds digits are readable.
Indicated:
11:50
